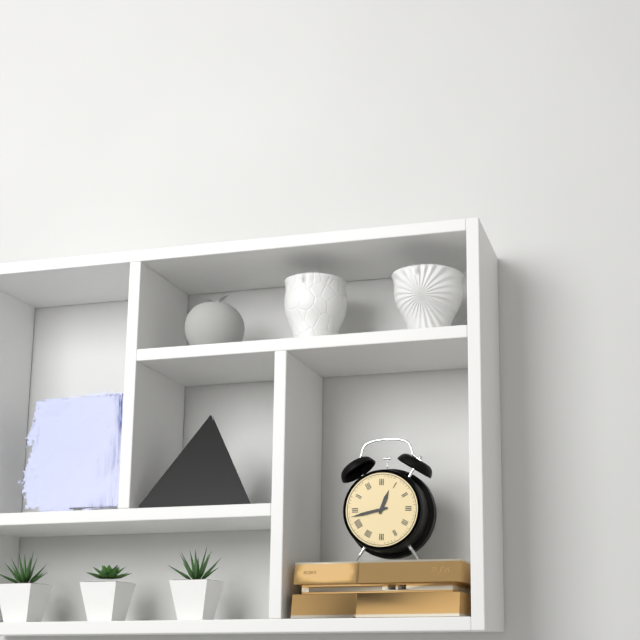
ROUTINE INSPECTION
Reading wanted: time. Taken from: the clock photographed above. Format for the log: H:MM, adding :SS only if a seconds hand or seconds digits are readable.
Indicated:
12:43
